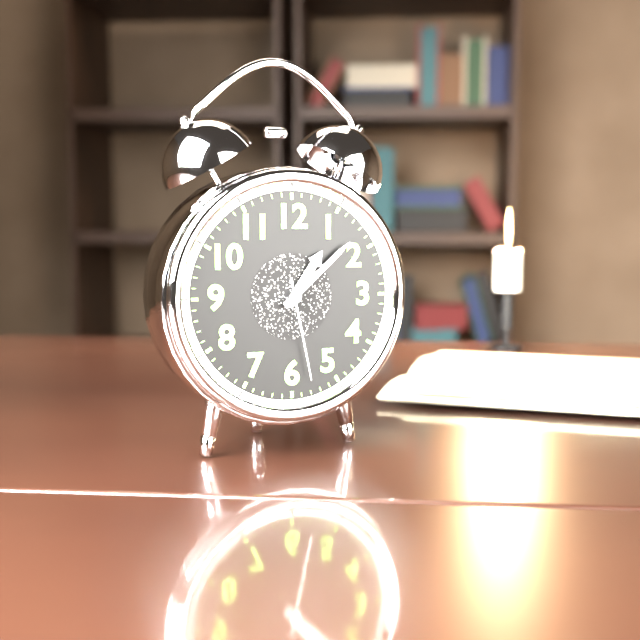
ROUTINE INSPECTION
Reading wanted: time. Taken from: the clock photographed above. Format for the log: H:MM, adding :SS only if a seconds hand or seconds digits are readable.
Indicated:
1:08:28
